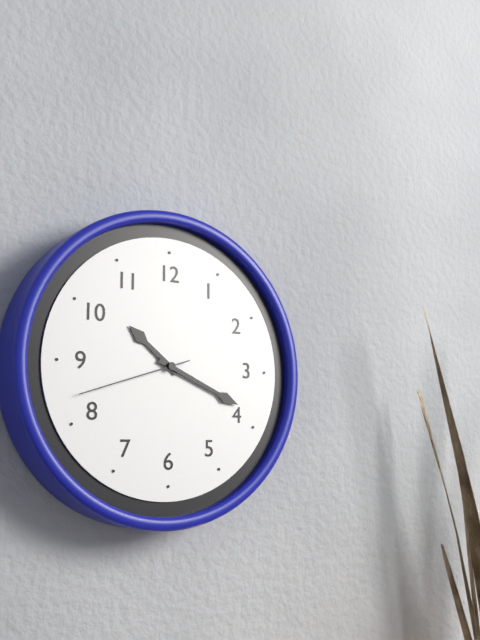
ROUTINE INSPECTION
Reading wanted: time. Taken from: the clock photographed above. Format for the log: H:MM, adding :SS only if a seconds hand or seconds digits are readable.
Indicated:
10:19:42
